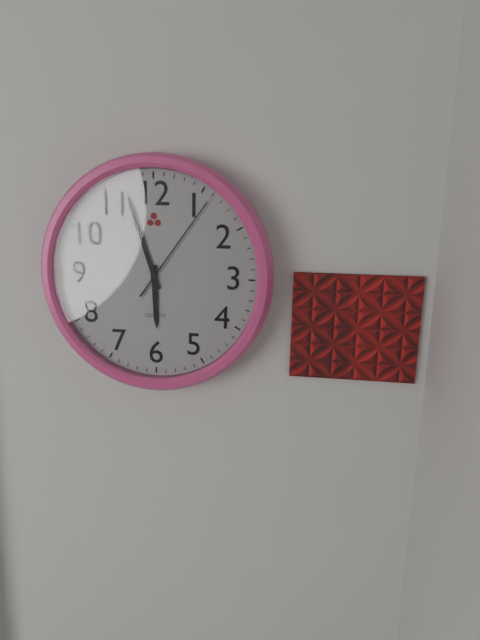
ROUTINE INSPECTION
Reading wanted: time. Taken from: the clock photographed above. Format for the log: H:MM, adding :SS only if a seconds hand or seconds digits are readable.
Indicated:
5:57:06
